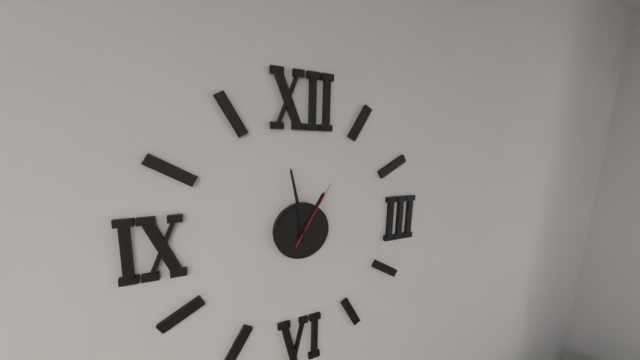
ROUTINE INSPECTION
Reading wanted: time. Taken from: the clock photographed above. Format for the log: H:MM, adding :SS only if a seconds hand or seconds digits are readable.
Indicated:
12:58:05
